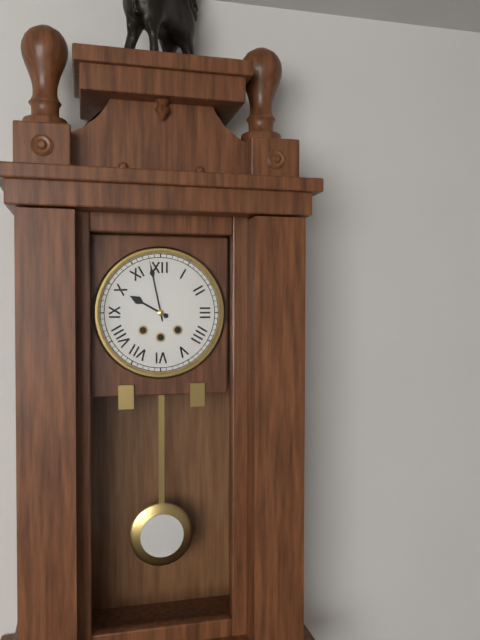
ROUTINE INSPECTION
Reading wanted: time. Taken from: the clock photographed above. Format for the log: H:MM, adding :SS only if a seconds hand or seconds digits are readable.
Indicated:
9:58
